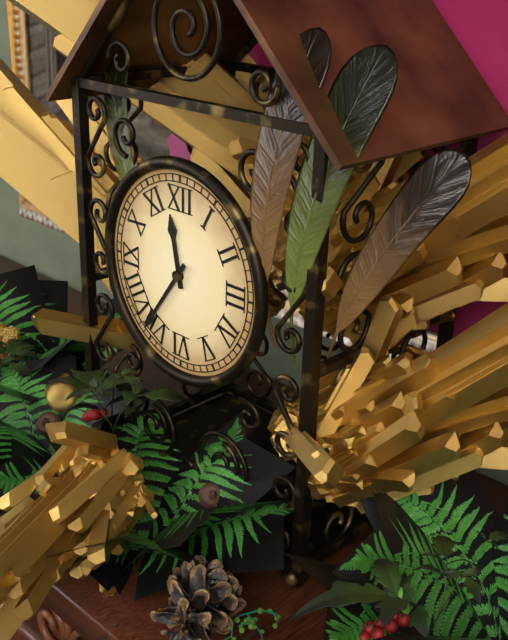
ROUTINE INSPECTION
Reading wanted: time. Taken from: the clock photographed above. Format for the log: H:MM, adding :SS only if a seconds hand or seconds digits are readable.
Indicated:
11:36
